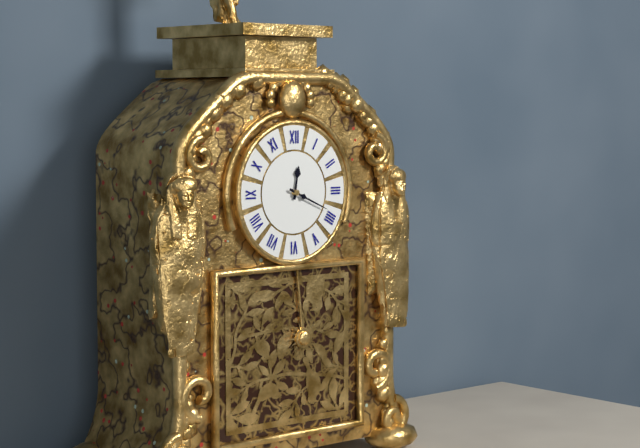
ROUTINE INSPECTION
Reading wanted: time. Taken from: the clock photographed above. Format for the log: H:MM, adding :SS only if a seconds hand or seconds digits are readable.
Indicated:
12:19
